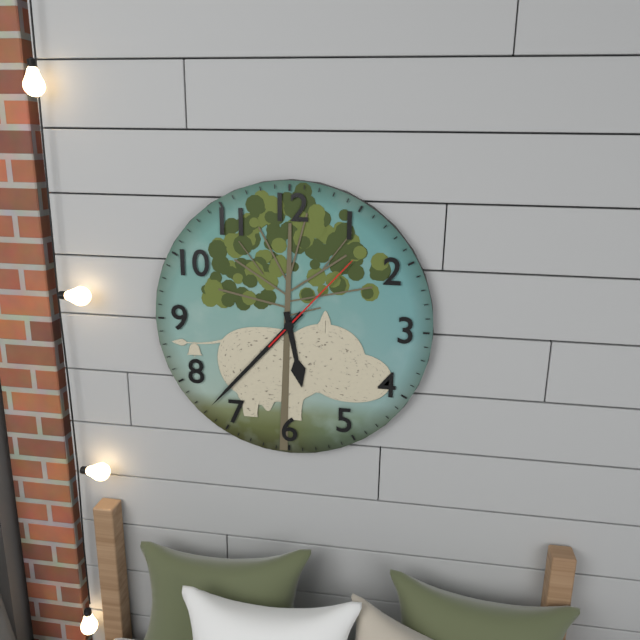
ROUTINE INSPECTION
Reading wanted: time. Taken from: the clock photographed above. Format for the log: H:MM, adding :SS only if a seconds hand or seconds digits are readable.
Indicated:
5:37:07
